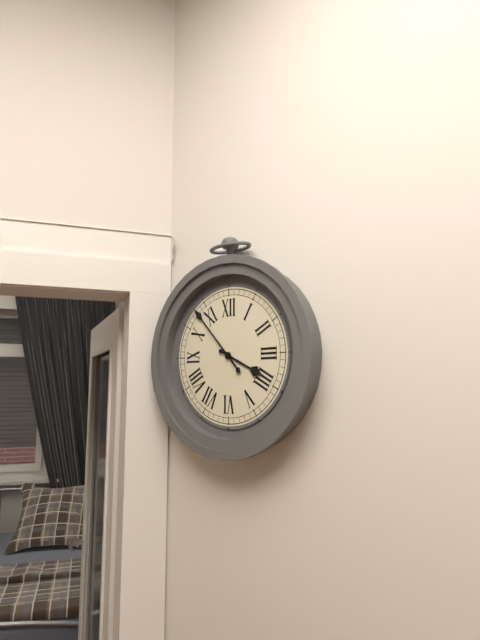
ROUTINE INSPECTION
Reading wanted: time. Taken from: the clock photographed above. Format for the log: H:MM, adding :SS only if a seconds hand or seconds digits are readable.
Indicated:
3:53
